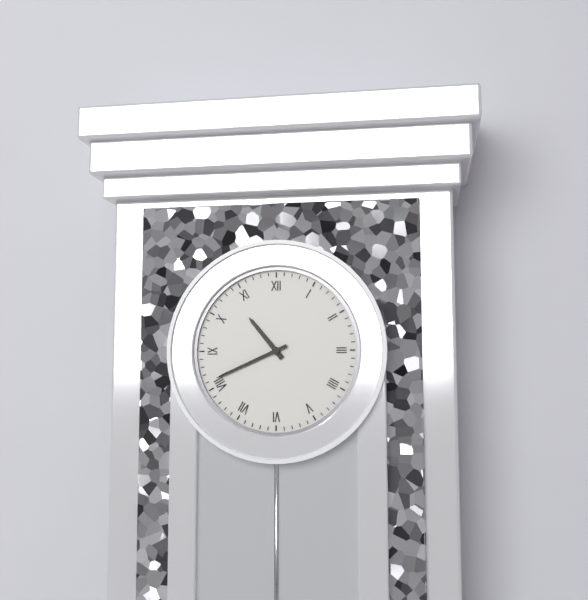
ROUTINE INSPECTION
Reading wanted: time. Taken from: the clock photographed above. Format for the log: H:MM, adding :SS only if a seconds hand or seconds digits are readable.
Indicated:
10:41
